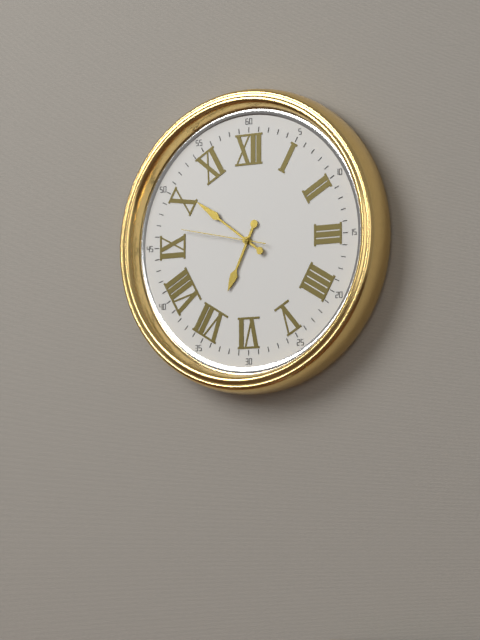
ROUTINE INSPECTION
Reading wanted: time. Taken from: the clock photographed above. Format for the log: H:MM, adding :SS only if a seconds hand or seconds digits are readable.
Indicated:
6:51:47
